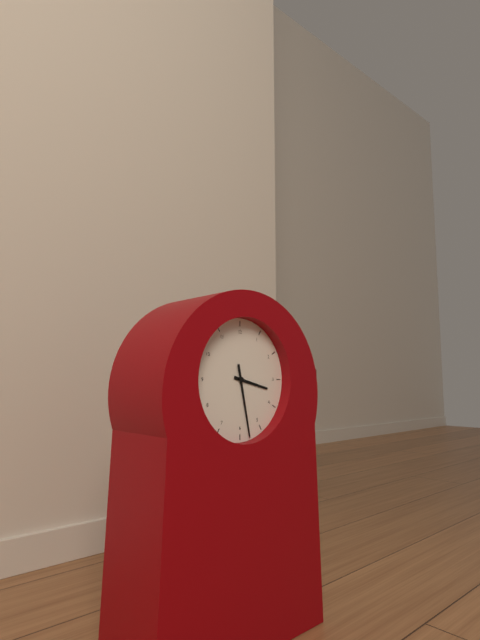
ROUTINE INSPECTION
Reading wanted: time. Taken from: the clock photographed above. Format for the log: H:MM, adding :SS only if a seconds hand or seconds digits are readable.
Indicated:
3:28
